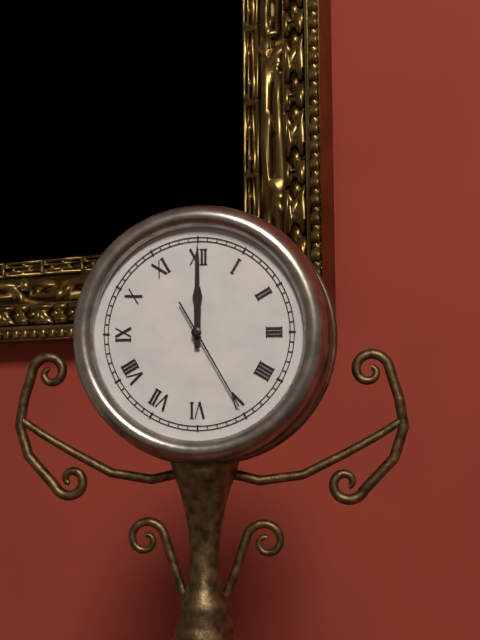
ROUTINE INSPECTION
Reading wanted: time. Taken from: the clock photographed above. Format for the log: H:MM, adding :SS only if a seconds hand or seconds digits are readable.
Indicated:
12:00:25
